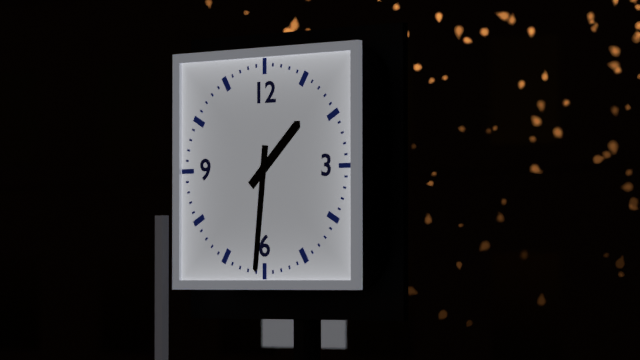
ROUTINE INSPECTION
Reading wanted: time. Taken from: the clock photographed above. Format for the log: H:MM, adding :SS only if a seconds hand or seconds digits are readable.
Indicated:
1:31
